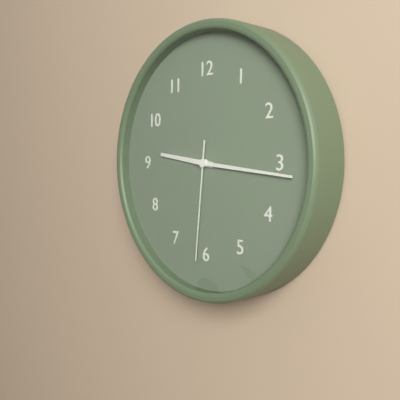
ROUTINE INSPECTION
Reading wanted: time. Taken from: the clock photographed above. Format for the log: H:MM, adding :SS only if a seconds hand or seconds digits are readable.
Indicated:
9:16:31
